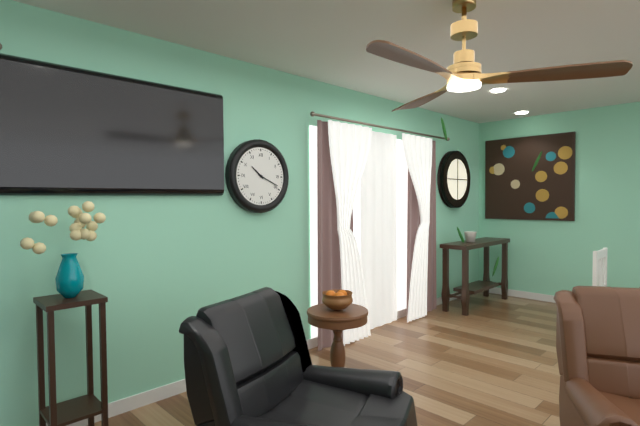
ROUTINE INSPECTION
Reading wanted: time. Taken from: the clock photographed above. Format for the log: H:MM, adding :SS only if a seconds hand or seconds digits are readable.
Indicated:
10:19
